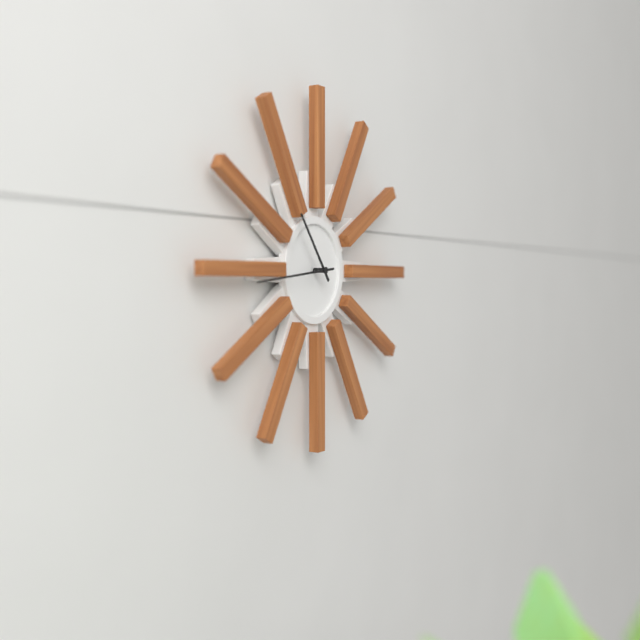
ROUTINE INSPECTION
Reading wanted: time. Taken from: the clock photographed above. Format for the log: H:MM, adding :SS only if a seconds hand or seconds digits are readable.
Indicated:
10:44
